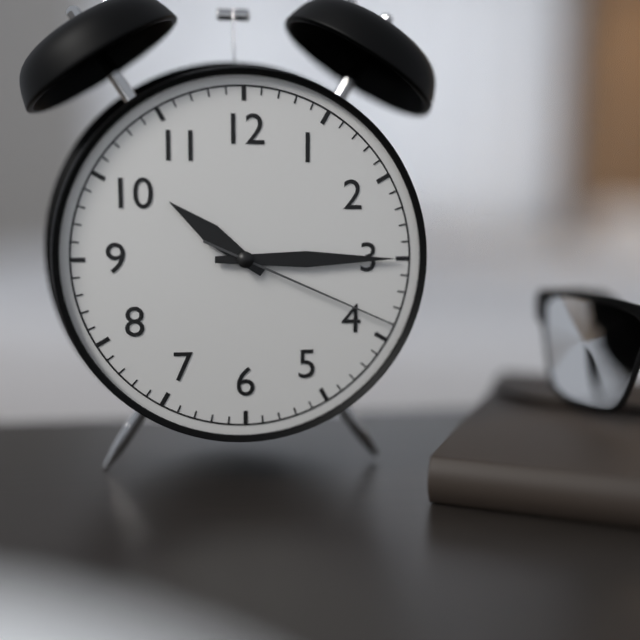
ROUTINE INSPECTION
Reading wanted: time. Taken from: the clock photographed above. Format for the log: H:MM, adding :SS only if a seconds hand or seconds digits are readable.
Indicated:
10:15:19
